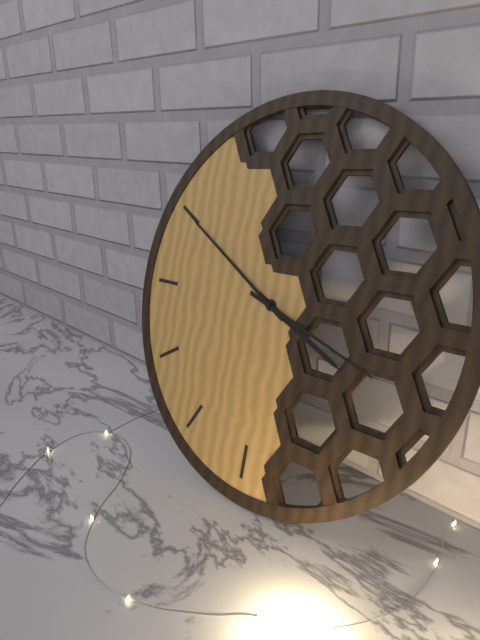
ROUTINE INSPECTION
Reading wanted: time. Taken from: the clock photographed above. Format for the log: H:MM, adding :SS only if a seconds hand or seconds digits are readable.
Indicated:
3:50:18
